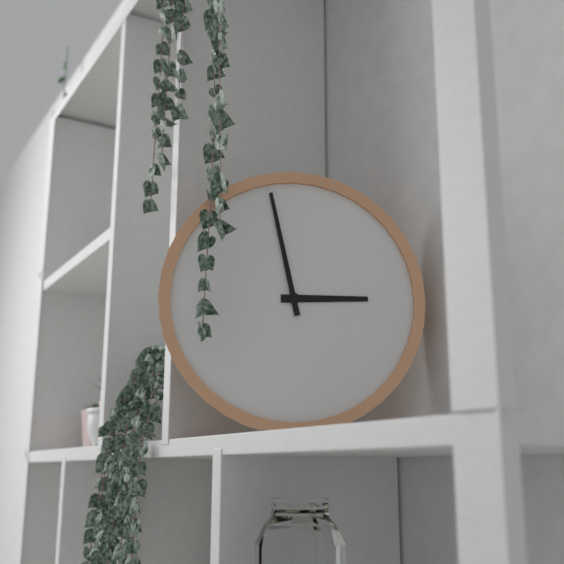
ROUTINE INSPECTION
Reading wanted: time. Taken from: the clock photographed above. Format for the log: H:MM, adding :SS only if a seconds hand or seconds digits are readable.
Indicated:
2:58
